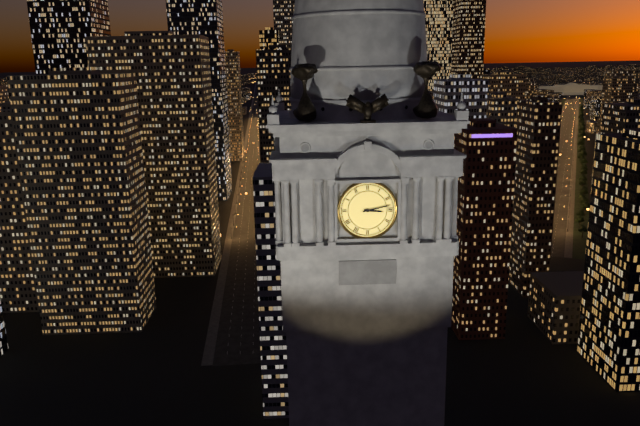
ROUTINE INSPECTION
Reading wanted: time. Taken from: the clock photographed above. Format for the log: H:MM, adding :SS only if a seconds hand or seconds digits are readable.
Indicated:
3:13
